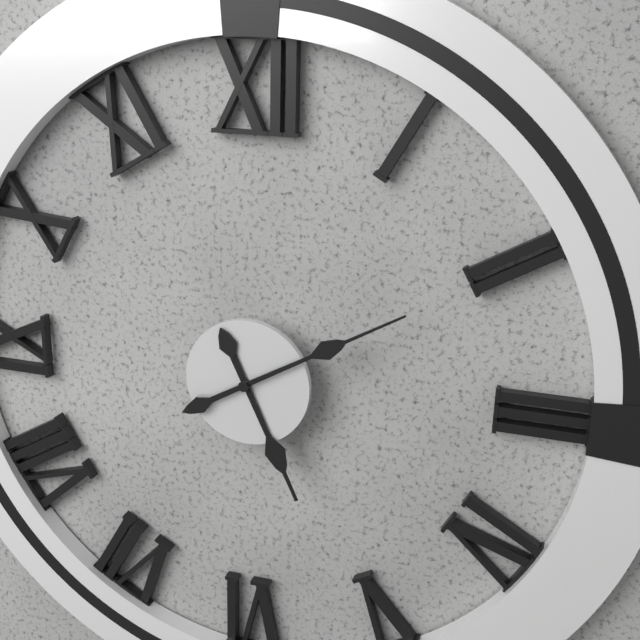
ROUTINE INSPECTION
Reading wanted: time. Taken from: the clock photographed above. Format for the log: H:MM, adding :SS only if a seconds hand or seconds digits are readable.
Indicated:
5:10
